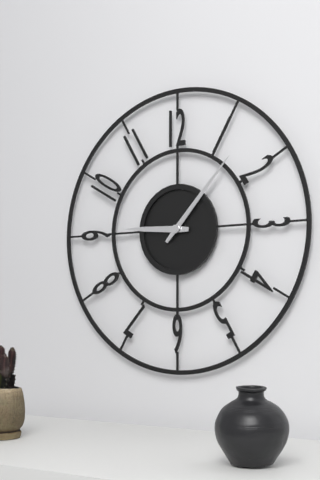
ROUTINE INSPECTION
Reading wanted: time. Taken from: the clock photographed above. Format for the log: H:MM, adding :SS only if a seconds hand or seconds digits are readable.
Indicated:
9:07
